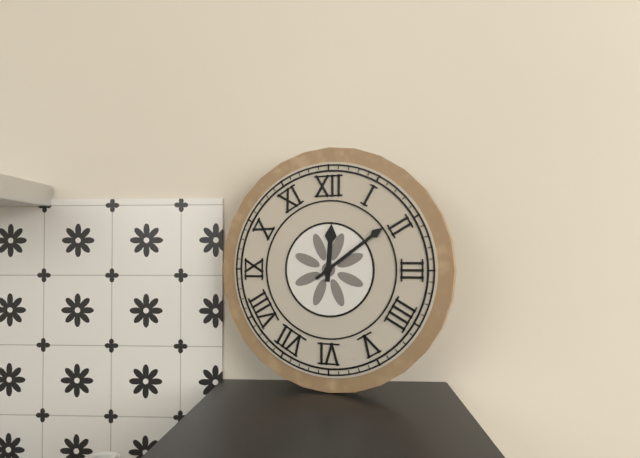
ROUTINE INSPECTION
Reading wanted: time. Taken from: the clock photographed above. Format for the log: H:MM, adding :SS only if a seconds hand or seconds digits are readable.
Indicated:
12:09
